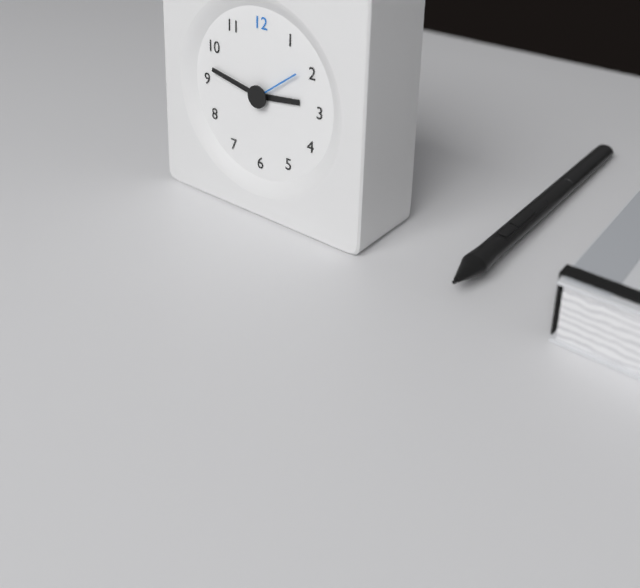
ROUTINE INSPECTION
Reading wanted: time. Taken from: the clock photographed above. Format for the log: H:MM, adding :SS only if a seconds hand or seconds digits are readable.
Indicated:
2:47:09
